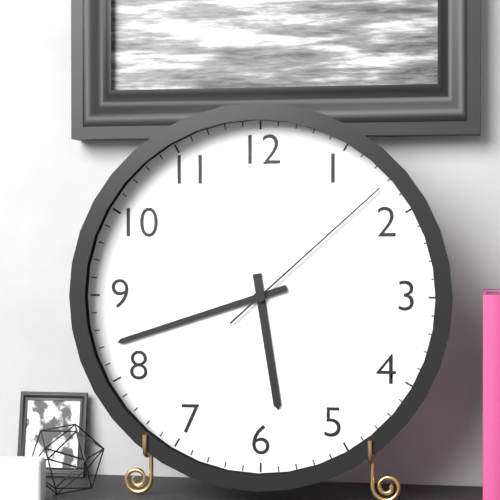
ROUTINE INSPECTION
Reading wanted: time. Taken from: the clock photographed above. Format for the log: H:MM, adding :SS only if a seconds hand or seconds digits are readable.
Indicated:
5:42:08
